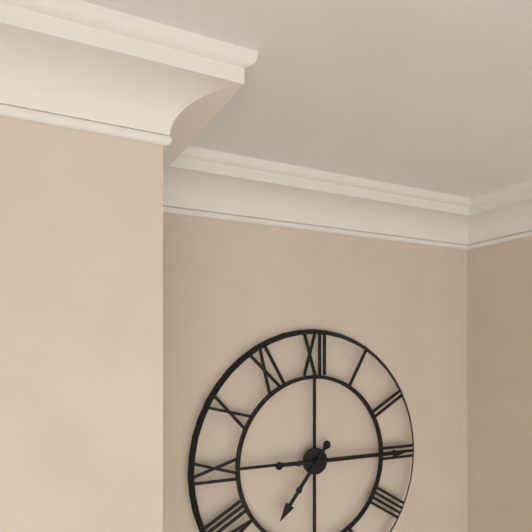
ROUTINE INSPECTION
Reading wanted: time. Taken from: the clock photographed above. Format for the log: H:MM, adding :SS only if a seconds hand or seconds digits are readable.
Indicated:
7:15
